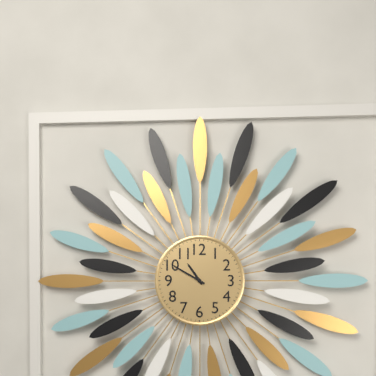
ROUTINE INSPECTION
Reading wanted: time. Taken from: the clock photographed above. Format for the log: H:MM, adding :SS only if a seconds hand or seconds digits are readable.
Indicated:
10:50
